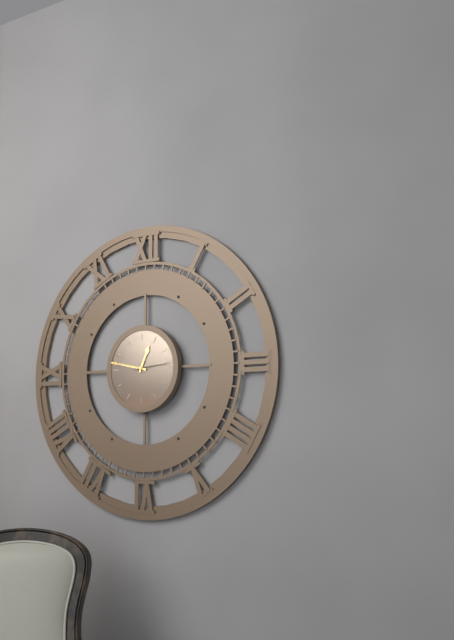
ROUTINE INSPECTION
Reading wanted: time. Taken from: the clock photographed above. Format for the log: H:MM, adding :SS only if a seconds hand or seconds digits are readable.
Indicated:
12:47
